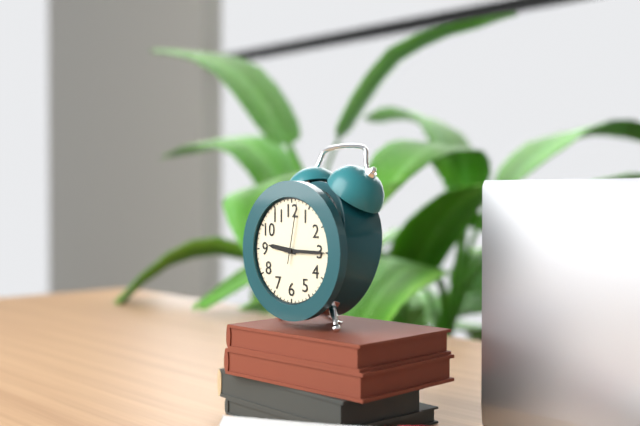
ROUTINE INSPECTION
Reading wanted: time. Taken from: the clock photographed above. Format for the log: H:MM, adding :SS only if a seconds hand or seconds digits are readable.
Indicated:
9:15:02
